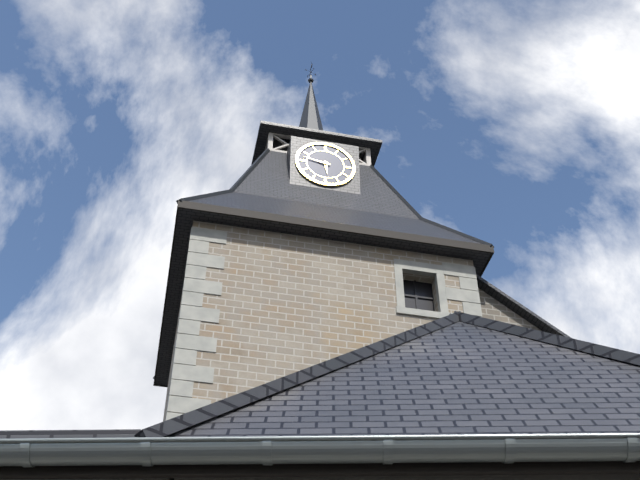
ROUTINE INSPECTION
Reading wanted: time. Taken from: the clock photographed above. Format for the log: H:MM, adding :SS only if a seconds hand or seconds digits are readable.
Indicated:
5:47
